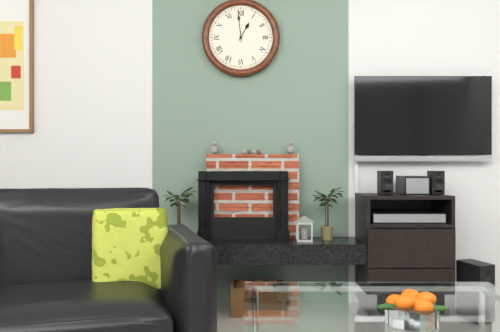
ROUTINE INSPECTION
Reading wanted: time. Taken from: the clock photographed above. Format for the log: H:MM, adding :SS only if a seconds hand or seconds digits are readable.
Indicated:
12:59
